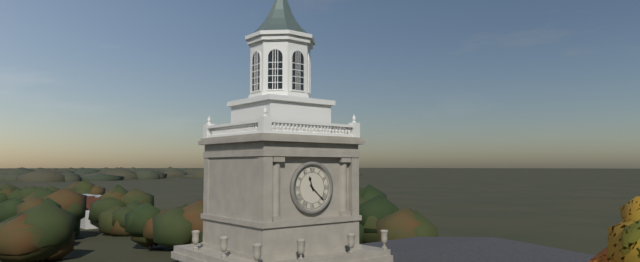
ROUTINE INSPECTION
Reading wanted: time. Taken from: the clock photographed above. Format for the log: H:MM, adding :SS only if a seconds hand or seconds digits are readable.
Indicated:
11:22
